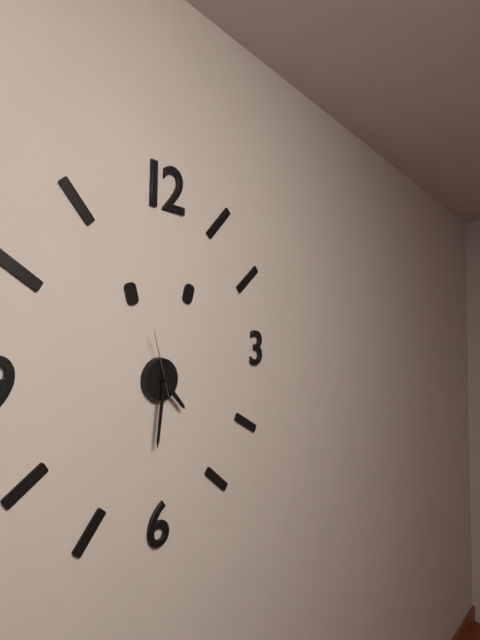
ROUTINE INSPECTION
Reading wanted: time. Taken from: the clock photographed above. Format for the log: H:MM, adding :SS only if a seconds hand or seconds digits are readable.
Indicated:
4:31:57
